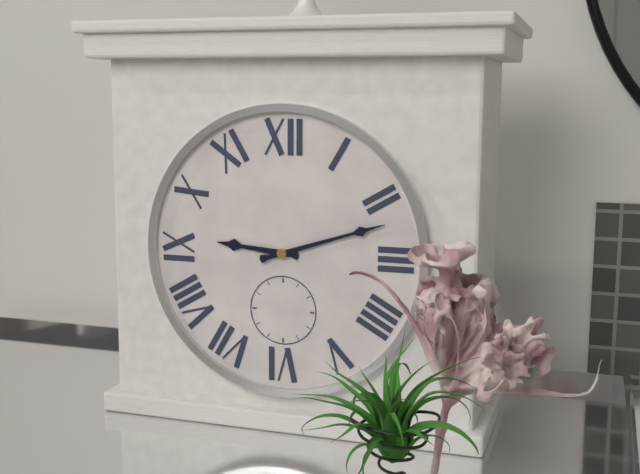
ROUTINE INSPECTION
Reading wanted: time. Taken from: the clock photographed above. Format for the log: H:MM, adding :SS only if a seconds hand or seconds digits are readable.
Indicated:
9:12
